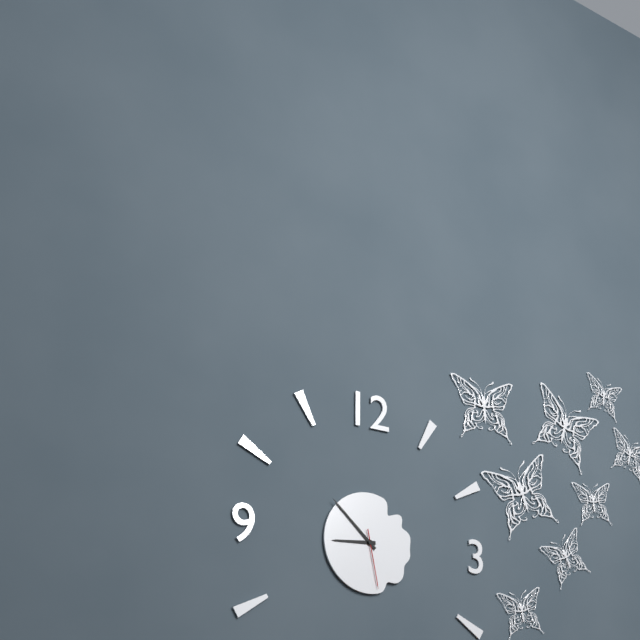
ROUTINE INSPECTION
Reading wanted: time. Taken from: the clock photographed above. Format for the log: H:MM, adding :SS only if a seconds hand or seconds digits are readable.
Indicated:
8:52:28
